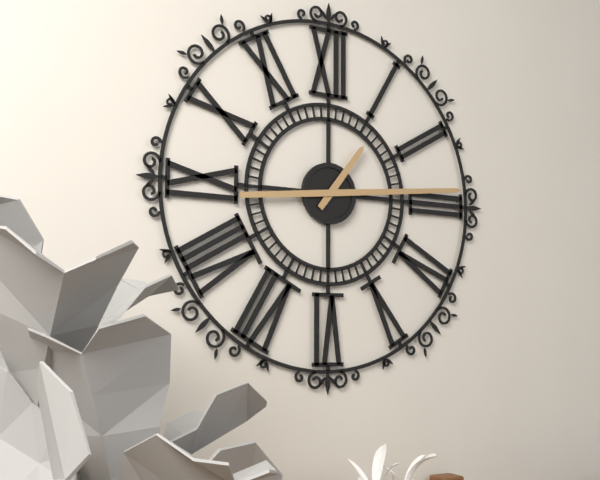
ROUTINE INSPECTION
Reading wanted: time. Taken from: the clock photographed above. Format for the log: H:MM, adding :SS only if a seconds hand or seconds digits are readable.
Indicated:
1:14
